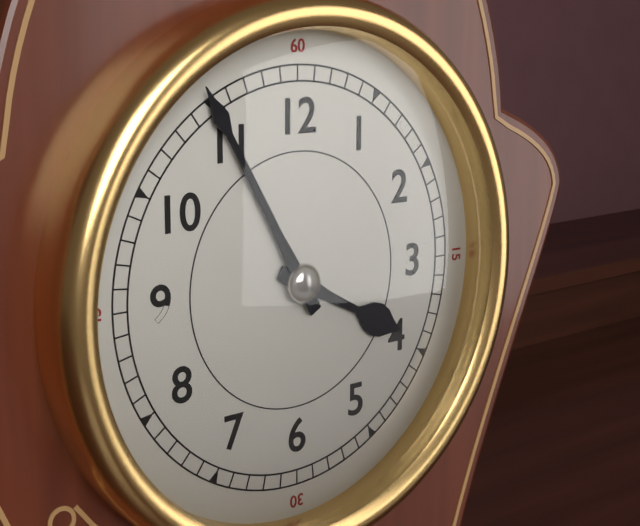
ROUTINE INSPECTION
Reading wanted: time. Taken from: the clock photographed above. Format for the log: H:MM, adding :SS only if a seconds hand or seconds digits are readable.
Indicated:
3:55
